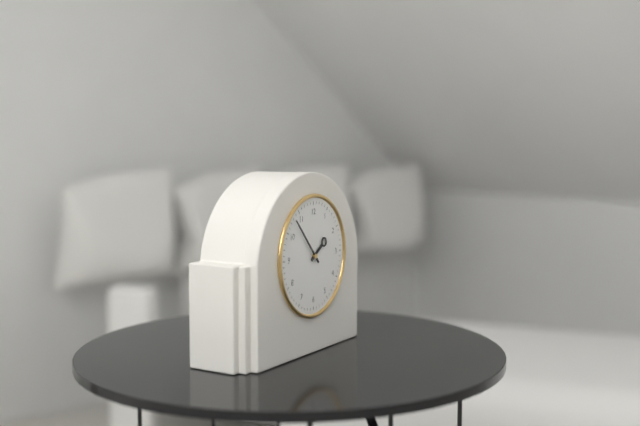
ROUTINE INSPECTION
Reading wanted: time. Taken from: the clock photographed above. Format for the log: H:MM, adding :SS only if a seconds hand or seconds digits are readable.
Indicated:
1:53
